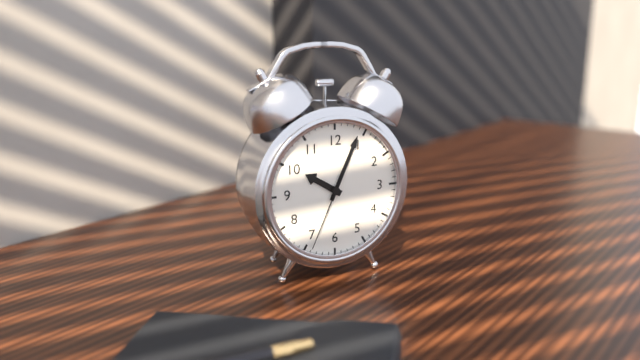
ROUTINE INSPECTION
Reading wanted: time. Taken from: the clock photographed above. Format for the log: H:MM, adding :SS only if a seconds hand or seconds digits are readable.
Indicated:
10:04:34
